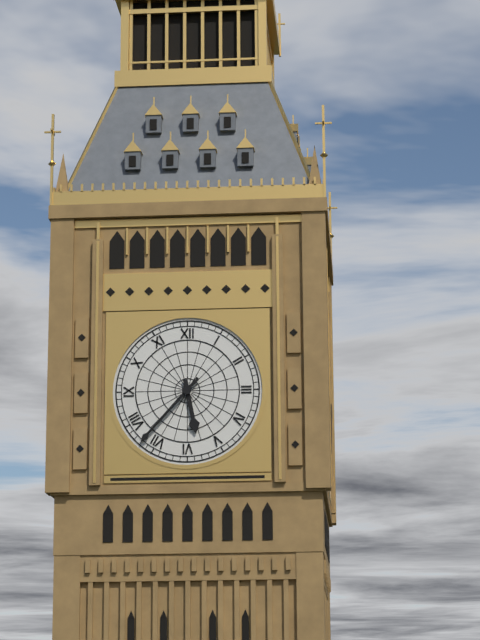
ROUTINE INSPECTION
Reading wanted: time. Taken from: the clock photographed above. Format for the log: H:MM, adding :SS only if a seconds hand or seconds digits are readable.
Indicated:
5:37
